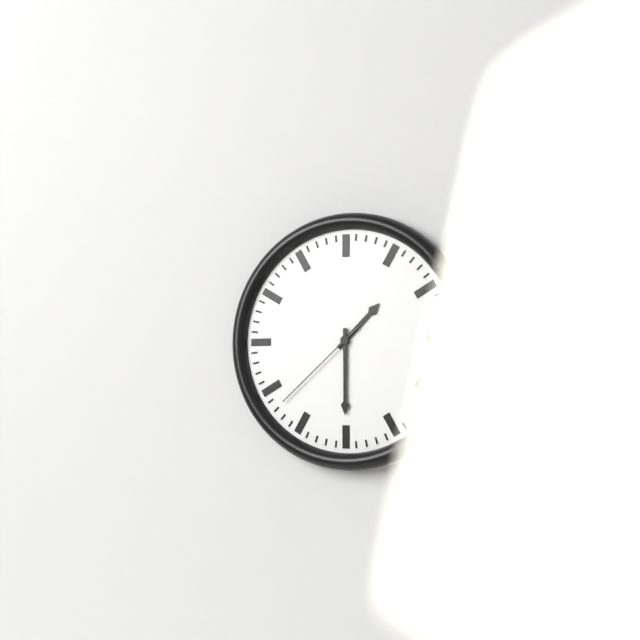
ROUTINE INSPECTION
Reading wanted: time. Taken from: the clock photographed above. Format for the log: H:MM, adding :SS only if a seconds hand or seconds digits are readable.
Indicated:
1:30:38
